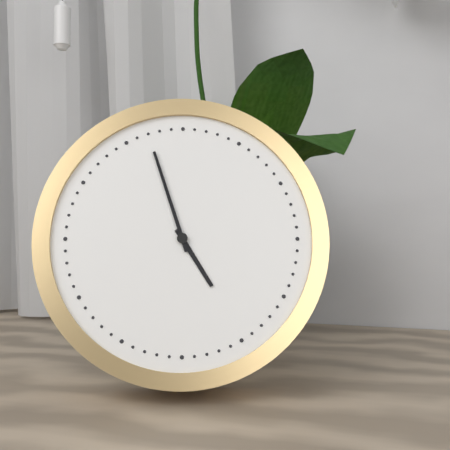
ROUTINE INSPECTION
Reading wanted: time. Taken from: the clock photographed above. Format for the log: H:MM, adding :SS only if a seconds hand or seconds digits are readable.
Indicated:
4:57
